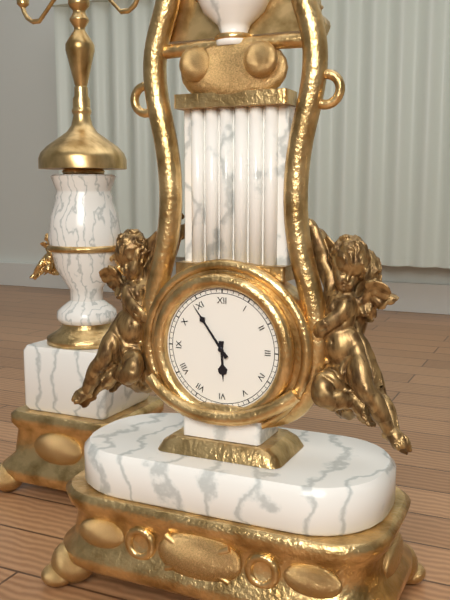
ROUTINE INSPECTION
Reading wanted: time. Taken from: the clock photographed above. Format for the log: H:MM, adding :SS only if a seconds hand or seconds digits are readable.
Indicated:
5:54
